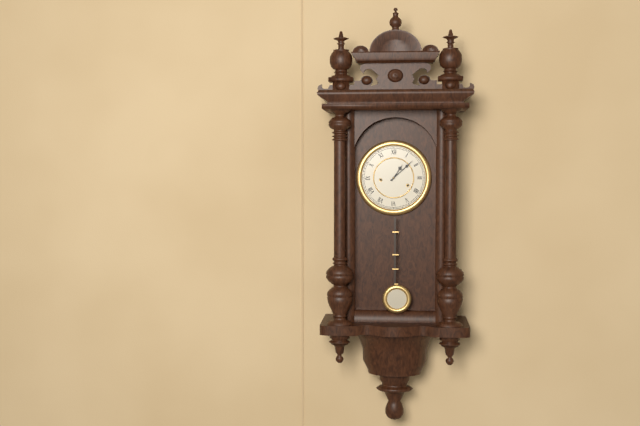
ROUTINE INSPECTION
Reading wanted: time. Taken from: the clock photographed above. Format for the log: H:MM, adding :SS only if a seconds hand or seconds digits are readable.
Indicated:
1:08
